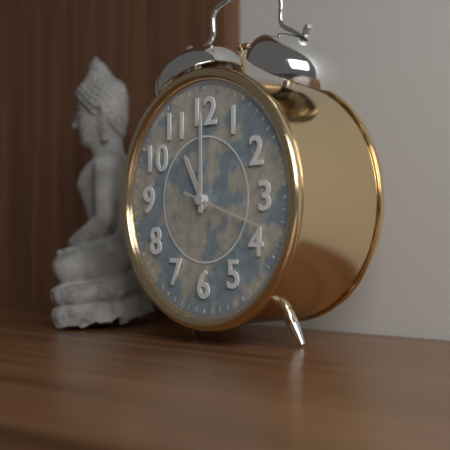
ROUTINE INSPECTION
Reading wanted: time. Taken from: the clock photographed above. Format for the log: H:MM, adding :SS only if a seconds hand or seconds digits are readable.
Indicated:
11:00:18
